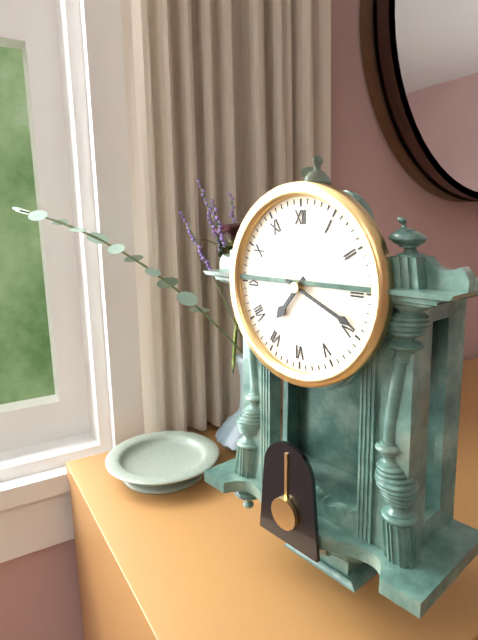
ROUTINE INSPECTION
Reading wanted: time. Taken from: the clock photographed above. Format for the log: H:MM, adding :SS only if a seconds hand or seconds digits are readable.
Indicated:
7:19
